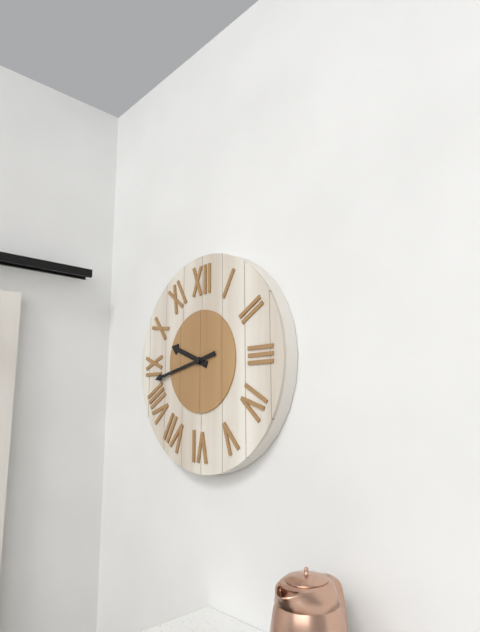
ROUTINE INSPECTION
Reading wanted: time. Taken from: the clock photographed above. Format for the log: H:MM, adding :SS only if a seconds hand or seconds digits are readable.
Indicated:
9:43
